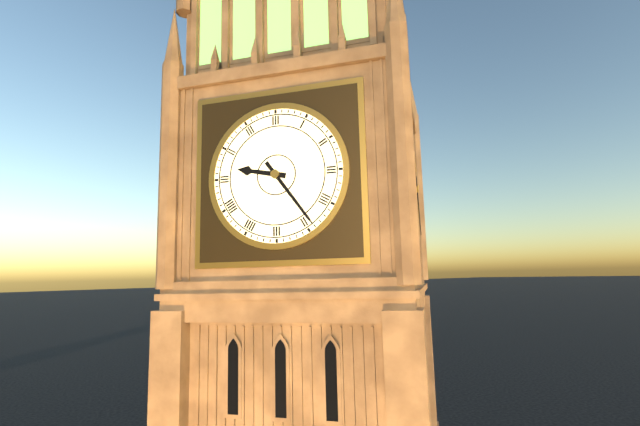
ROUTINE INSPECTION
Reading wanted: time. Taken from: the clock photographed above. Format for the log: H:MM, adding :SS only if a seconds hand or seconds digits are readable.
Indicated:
9:24
